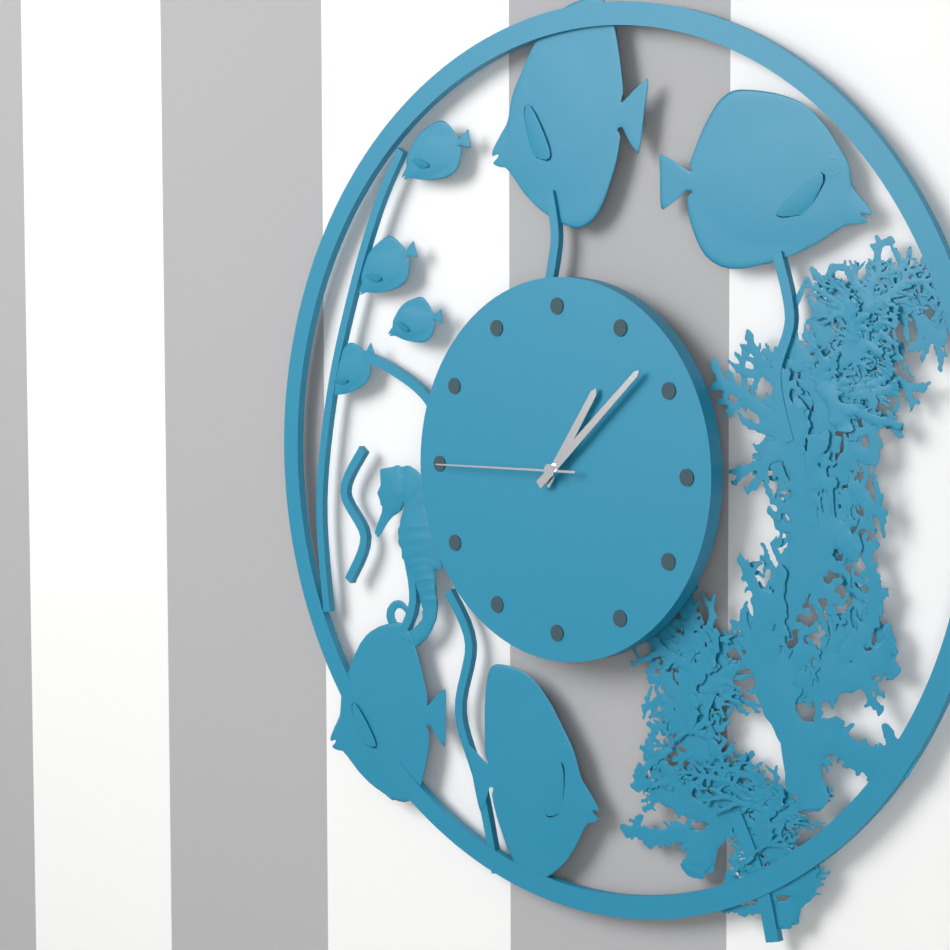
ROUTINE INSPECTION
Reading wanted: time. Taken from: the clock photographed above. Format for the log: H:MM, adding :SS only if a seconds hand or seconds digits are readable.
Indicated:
1:08:45
